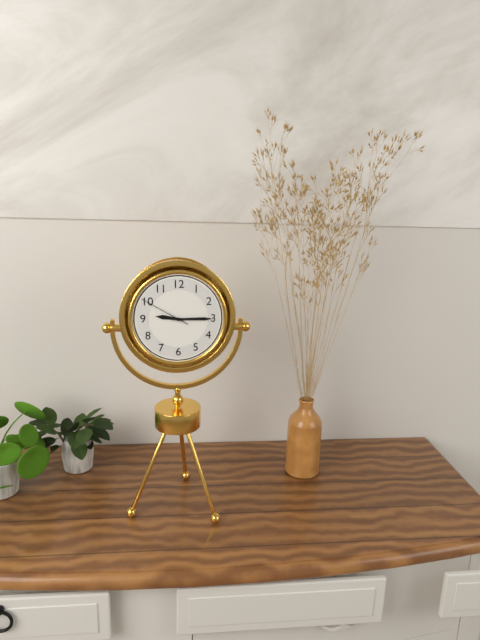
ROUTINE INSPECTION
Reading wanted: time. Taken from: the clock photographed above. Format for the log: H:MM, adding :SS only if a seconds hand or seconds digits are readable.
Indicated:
9:15:50
